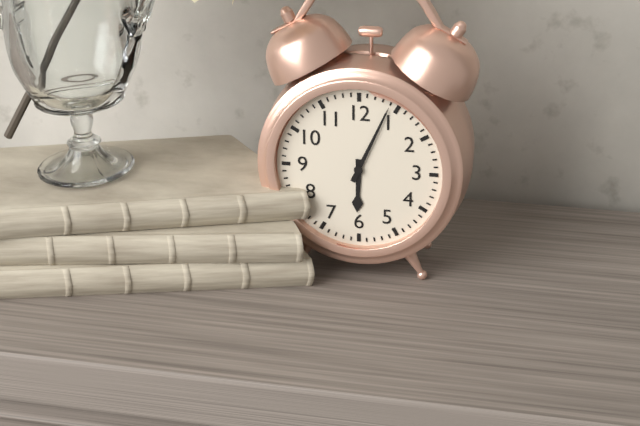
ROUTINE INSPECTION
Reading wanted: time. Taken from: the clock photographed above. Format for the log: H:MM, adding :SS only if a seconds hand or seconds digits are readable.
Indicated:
6:04
